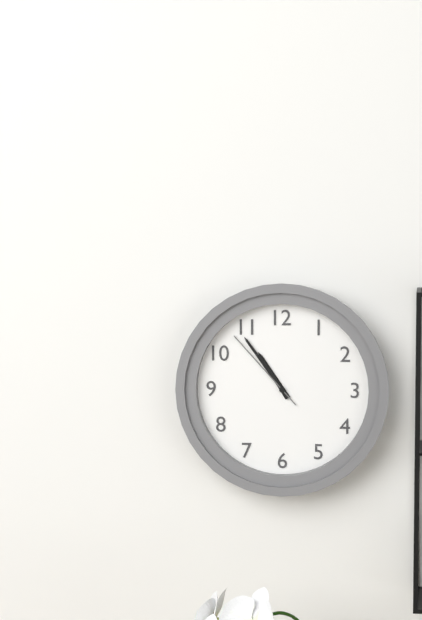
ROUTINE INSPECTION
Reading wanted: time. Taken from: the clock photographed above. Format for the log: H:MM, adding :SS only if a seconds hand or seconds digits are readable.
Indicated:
10:54:53
